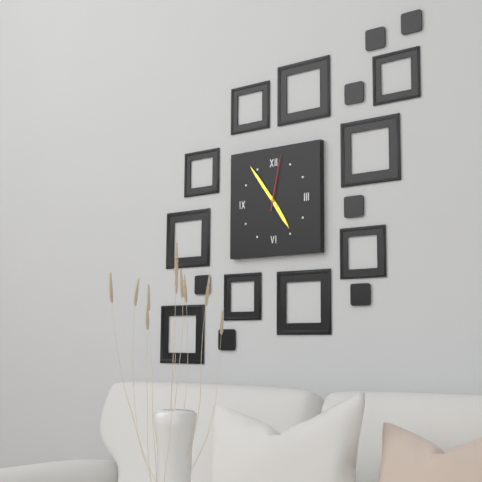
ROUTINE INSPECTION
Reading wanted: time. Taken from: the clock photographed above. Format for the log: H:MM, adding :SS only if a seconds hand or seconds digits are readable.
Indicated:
4:54:02
